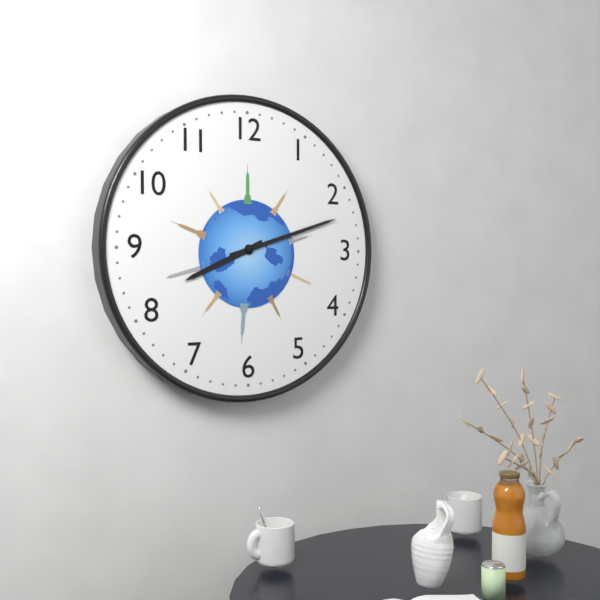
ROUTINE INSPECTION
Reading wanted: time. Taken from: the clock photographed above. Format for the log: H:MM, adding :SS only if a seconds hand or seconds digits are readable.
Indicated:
8:12
